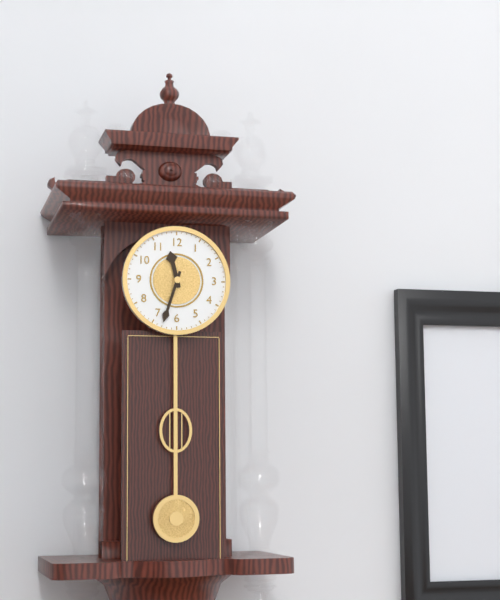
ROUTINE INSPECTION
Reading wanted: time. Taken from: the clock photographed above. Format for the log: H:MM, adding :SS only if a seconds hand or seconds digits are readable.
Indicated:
11:33
